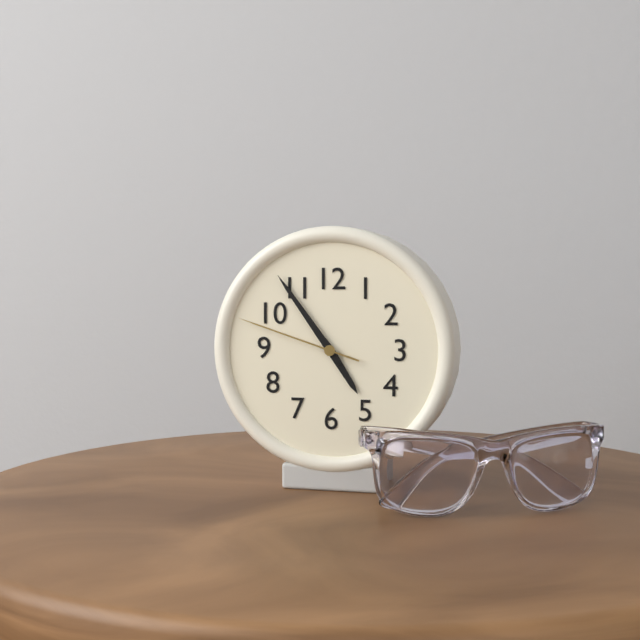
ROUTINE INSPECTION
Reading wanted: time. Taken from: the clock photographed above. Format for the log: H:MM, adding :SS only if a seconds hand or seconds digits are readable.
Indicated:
4:54:48
